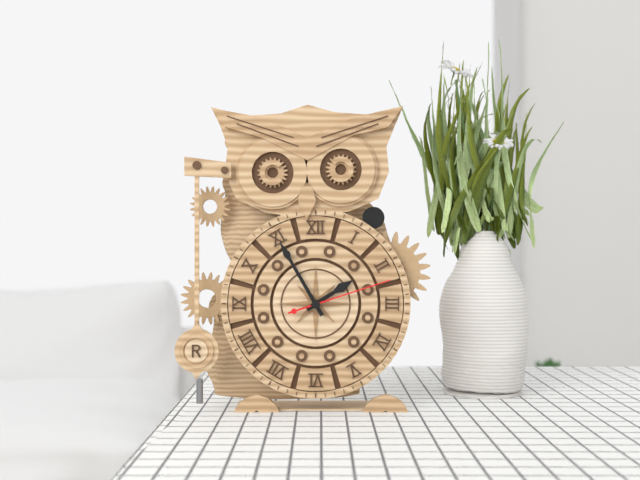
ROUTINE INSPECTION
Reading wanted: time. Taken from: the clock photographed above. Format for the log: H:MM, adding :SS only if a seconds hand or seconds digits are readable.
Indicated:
1:55:12
